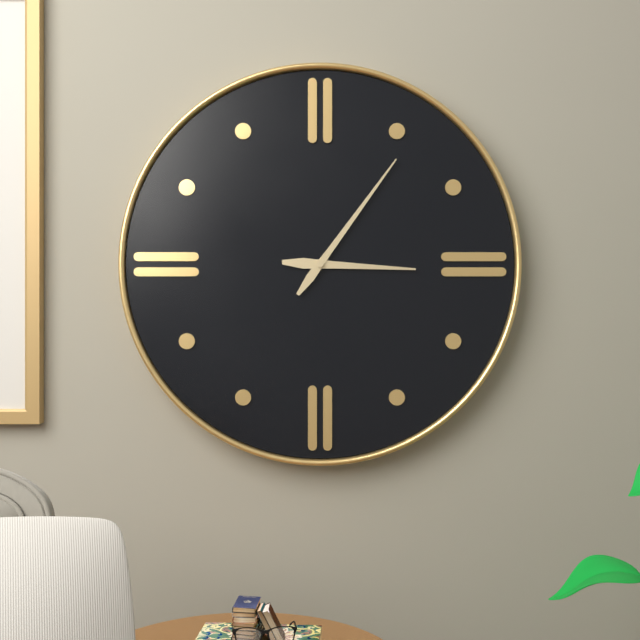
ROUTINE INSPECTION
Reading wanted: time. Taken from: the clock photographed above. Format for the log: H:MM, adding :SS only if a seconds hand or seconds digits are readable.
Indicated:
3:06
